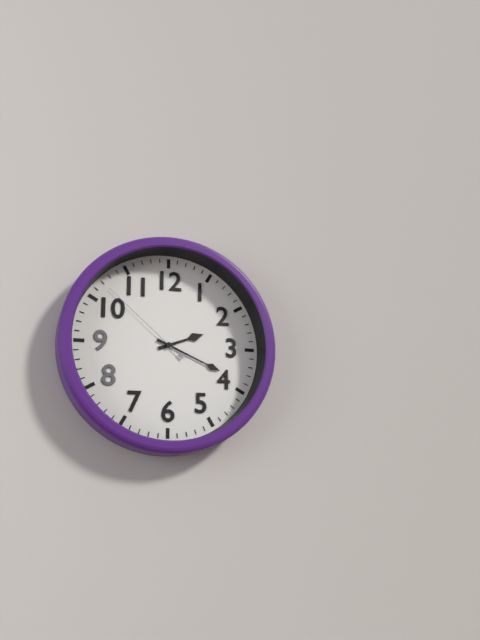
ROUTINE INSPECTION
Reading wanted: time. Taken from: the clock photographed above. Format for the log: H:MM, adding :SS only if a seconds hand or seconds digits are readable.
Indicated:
2:19:52
